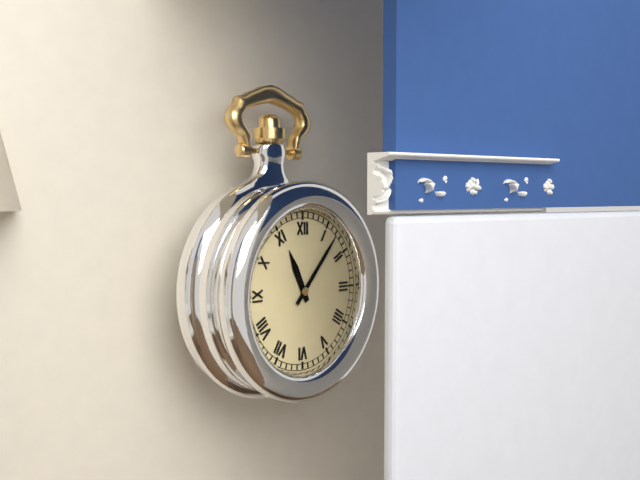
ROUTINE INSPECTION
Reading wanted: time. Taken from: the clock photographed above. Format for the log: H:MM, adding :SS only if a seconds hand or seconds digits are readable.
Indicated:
11:07
